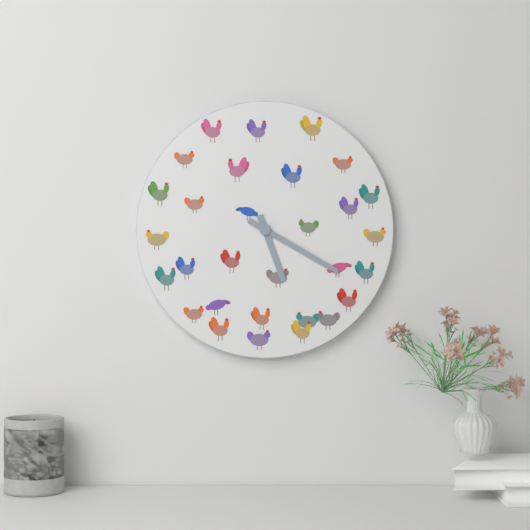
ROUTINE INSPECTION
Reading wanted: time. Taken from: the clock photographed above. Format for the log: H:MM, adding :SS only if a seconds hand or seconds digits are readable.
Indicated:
5:20
